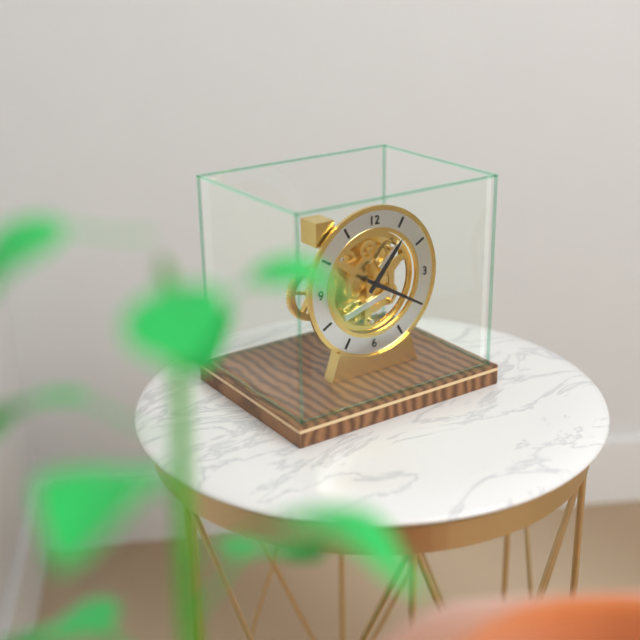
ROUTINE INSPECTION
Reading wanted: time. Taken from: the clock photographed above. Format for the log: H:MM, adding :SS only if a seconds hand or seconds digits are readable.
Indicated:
1:20
